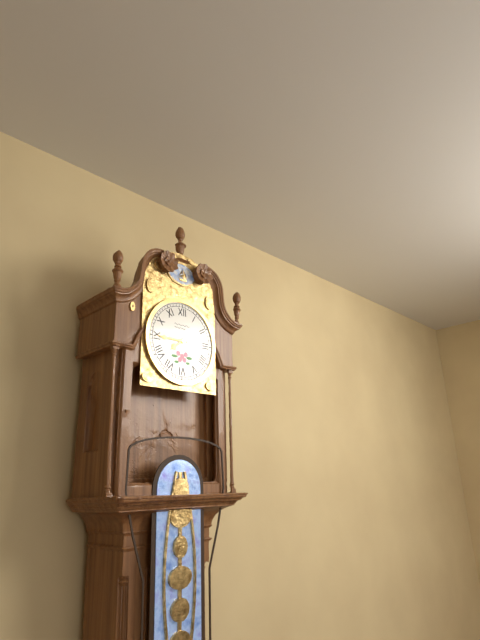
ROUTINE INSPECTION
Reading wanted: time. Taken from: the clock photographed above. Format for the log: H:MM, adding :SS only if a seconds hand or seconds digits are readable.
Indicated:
7:45
